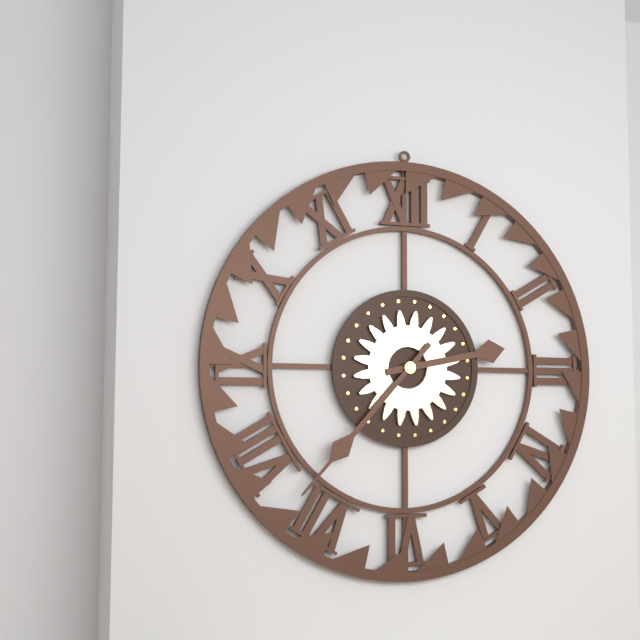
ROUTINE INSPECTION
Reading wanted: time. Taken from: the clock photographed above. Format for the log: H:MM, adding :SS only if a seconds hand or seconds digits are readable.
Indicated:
2:37
